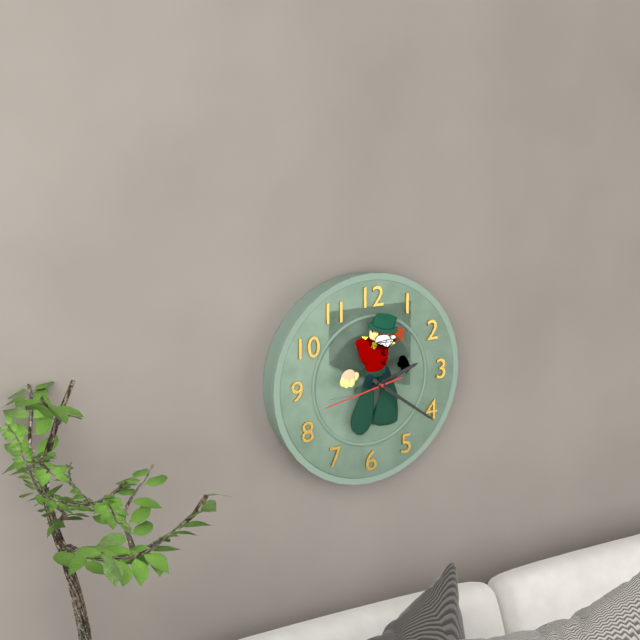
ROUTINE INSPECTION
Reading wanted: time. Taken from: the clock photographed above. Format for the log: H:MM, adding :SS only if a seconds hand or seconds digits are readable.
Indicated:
2:21:43
